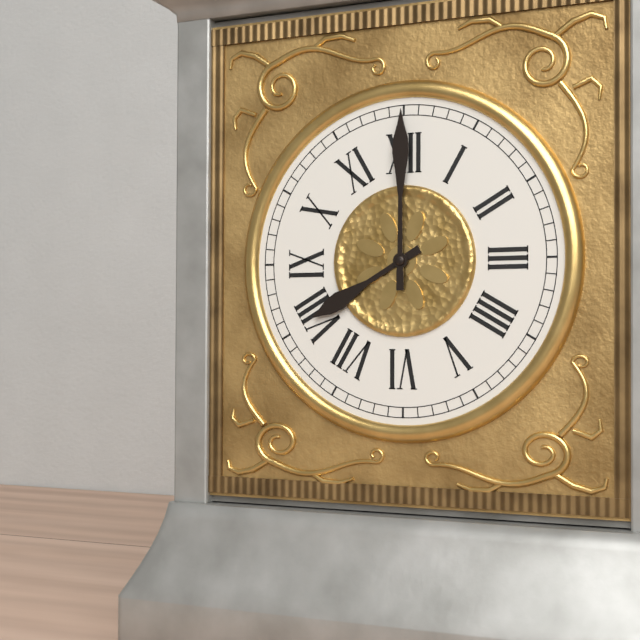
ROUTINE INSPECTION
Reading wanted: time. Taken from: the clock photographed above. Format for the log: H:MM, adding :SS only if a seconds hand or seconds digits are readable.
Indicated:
8:00
